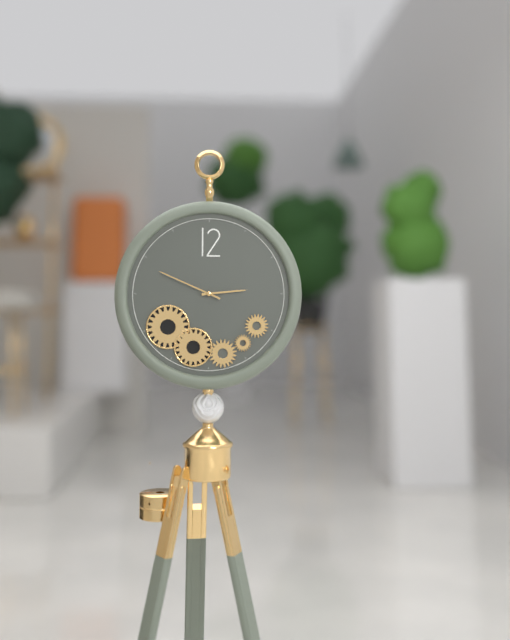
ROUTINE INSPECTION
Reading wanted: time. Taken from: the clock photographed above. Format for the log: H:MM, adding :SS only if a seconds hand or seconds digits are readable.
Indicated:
2:49
